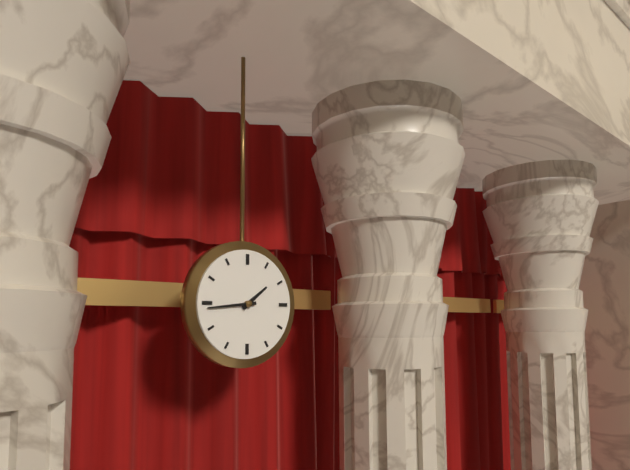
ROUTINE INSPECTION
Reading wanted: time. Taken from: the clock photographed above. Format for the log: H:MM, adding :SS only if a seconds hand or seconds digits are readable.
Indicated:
1:44
